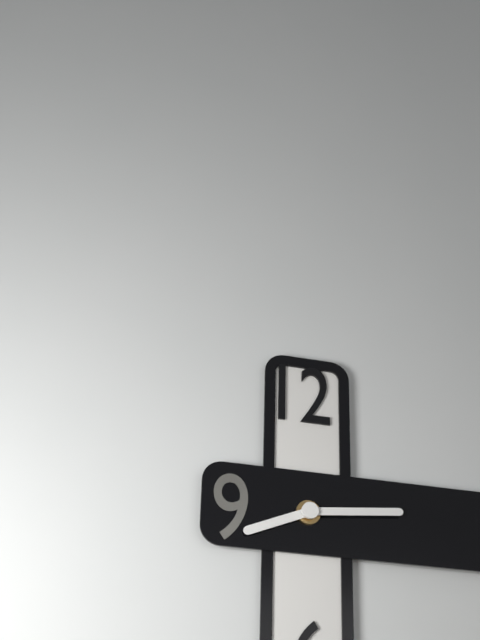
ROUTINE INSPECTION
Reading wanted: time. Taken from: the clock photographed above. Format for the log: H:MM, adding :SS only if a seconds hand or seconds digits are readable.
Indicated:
8:14
